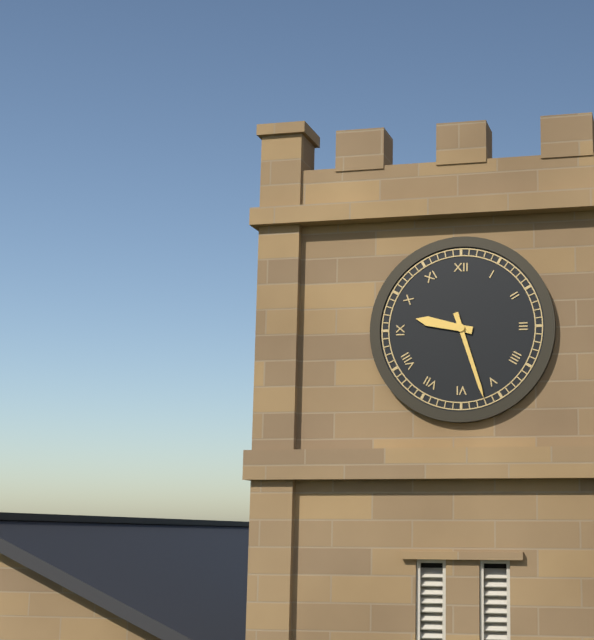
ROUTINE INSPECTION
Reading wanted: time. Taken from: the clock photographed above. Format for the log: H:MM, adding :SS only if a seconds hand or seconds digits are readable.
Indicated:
9:27
